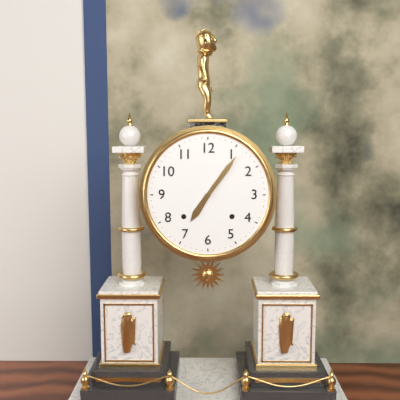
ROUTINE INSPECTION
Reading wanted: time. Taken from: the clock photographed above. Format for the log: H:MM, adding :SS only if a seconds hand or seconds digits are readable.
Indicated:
7:06
